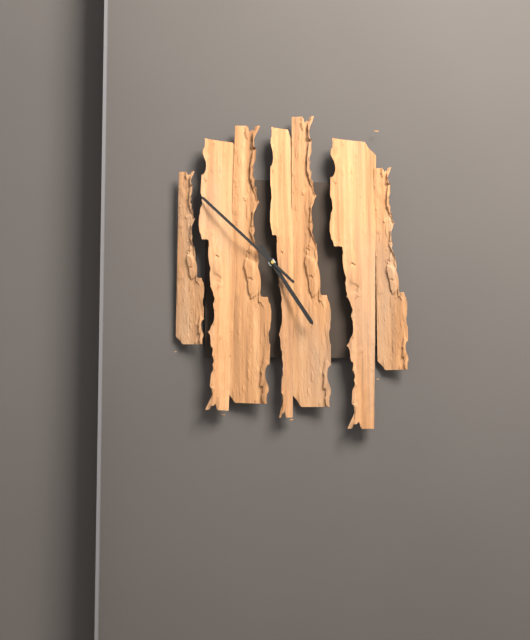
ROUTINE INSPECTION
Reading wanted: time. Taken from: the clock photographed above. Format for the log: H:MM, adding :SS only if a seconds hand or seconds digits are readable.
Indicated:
4:52
